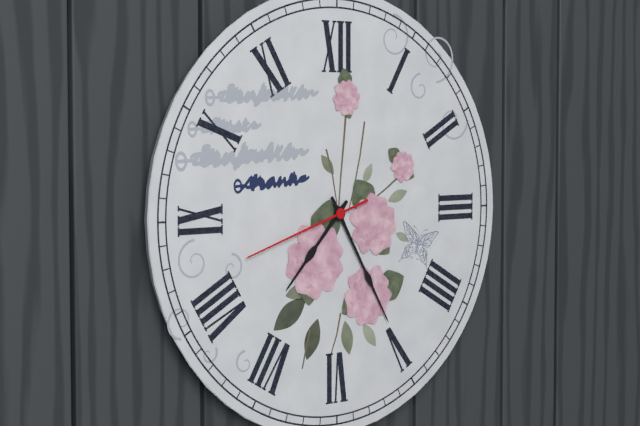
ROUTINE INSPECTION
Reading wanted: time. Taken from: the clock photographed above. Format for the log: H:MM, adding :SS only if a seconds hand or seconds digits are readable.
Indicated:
7:25:42
